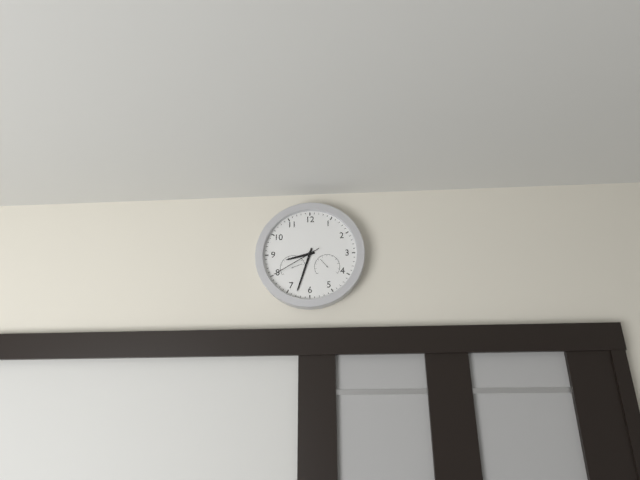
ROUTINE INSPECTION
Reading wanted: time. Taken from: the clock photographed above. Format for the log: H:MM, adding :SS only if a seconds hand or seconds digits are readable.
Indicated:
8:33:40
